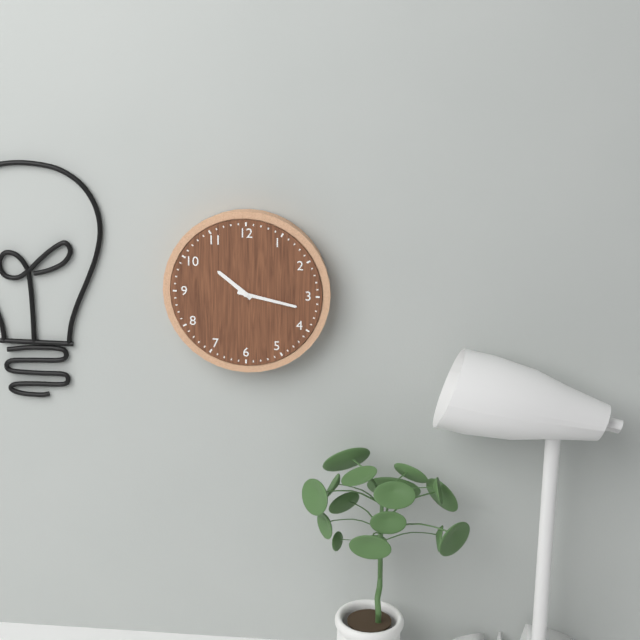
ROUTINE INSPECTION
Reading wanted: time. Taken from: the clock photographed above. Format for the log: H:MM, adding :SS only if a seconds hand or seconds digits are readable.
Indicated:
10:17
